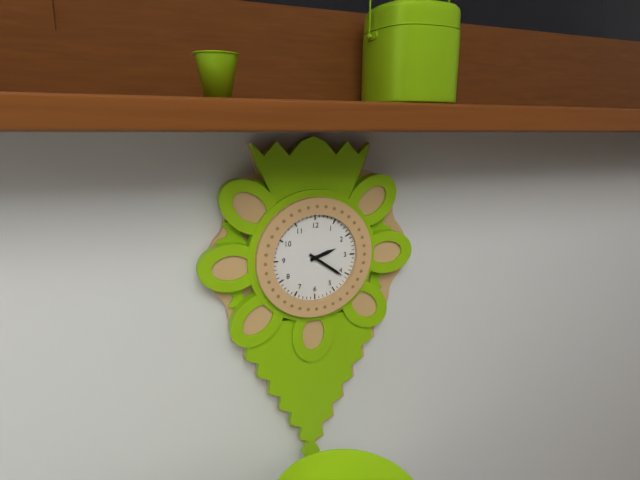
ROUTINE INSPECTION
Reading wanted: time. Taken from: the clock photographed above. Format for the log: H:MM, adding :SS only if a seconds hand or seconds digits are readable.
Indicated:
2:21
